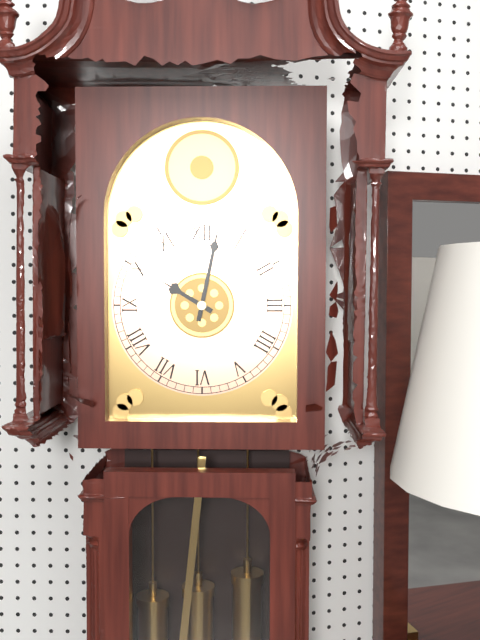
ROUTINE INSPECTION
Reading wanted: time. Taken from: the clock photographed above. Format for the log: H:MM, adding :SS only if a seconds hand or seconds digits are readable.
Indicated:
10:02
